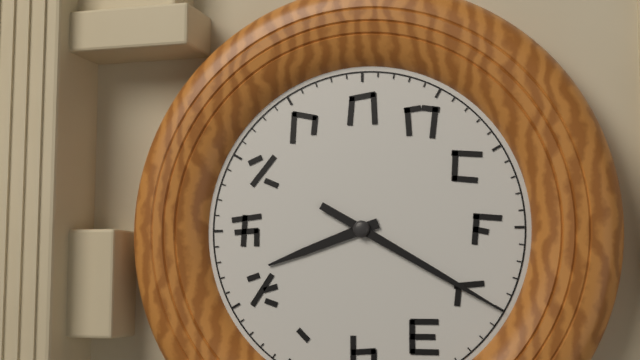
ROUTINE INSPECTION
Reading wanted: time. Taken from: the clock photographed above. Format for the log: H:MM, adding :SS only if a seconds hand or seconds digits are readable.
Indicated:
8:20
